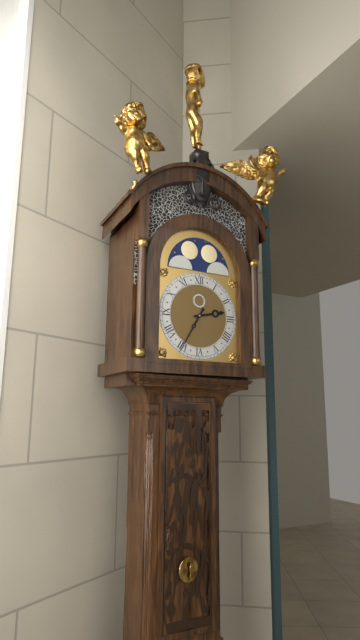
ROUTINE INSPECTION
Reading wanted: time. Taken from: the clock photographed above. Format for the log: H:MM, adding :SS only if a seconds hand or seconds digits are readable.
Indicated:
2:35
